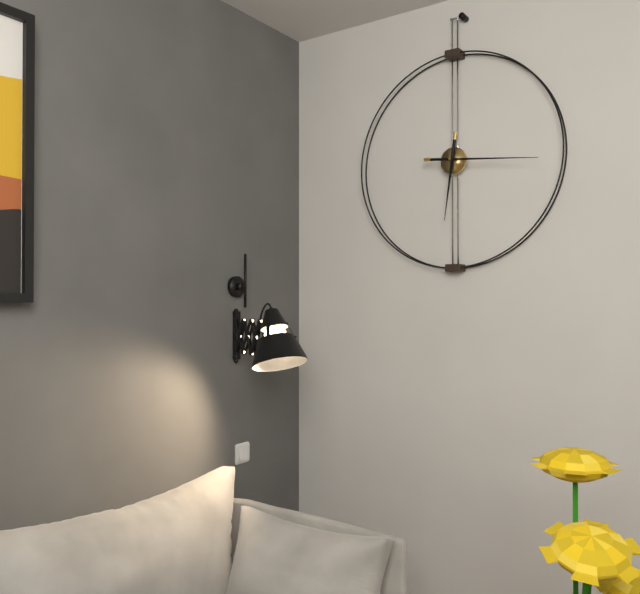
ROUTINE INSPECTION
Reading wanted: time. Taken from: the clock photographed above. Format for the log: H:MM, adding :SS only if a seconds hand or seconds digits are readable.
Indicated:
6:16
